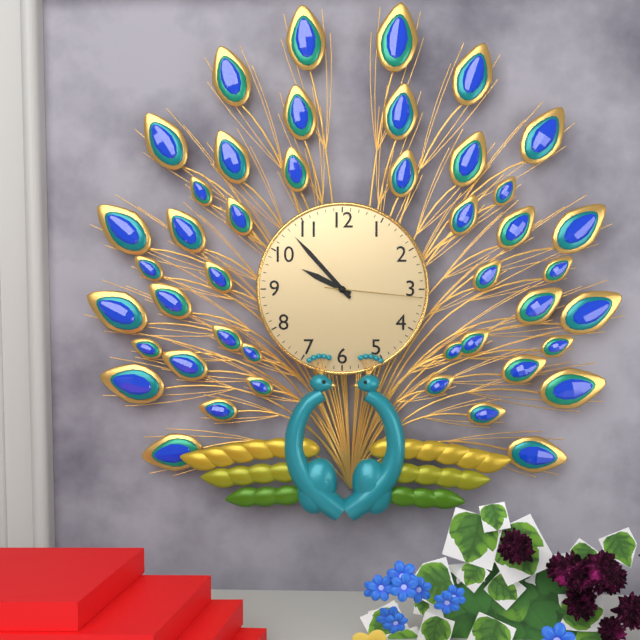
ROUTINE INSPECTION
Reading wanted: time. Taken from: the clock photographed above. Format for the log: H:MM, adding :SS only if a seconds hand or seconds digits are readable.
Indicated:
9:53:16
